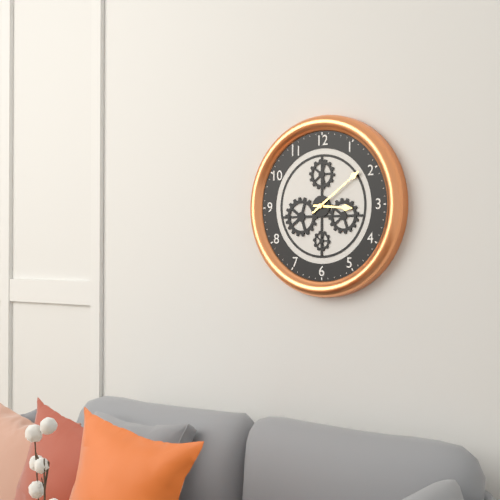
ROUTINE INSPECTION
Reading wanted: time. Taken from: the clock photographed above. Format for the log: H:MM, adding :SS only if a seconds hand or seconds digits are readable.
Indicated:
3:09
